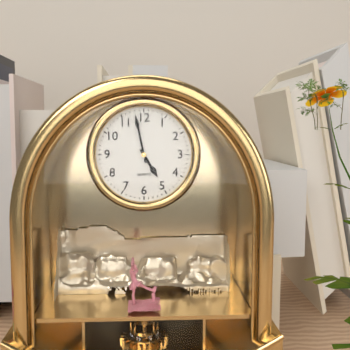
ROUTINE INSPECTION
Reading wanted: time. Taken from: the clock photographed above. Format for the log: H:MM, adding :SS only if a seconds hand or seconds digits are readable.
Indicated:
4:58
